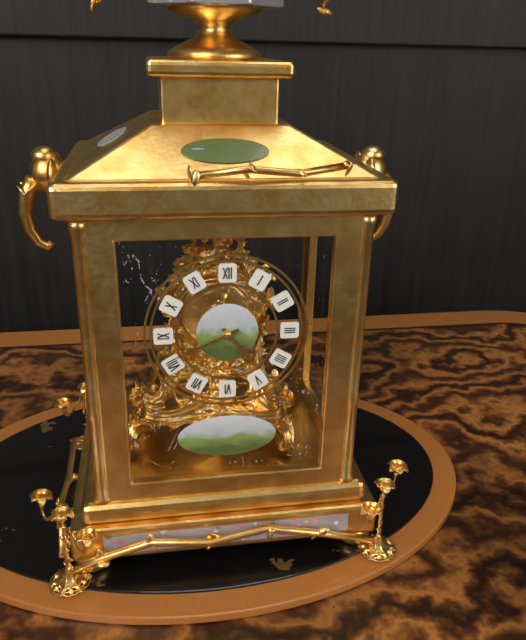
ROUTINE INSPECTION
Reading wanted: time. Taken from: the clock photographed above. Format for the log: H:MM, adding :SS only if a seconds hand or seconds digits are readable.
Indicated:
4:41
